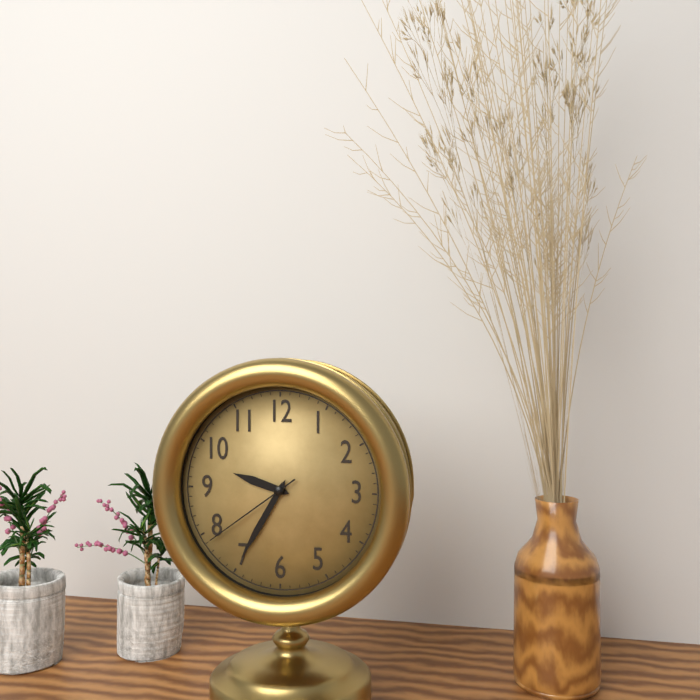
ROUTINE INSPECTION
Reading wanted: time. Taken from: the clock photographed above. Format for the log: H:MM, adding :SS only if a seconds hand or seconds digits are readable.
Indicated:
9:35:39
